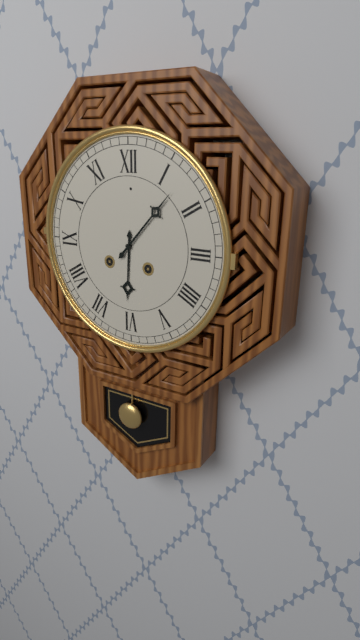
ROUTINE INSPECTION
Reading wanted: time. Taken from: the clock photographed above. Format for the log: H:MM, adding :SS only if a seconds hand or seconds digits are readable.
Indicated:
6:07
